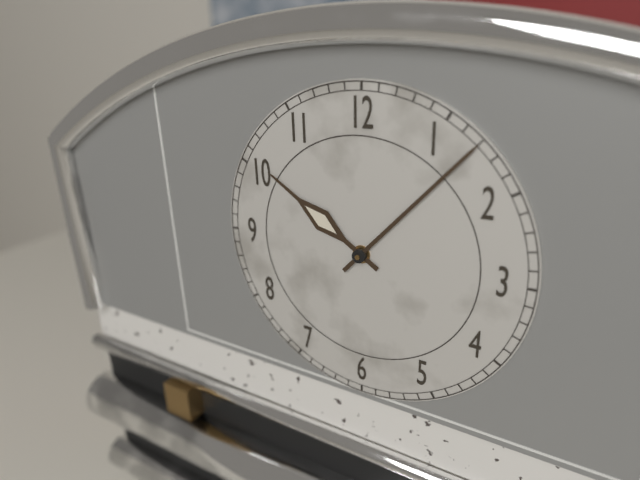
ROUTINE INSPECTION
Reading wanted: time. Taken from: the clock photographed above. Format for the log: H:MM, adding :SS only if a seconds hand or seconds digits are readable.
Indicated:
10:07
